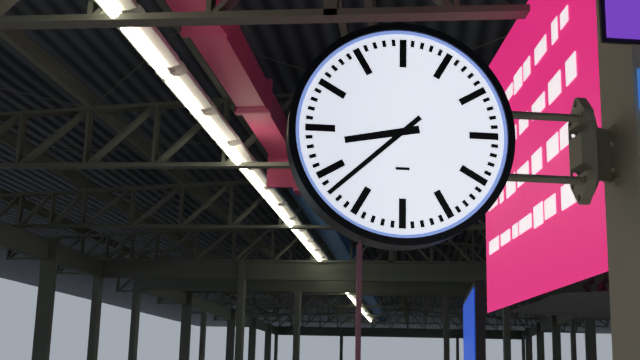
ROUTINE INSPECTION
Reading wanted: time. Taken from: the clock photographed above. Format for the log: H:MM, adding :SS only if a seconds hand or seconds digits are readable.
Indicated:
8:38
